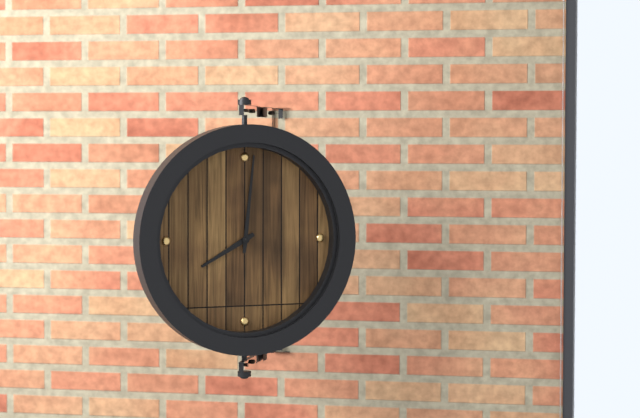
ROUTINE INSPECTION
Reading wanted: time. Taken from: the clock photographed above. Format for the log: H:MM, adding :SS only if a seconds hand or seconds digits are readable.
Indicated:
8:01
